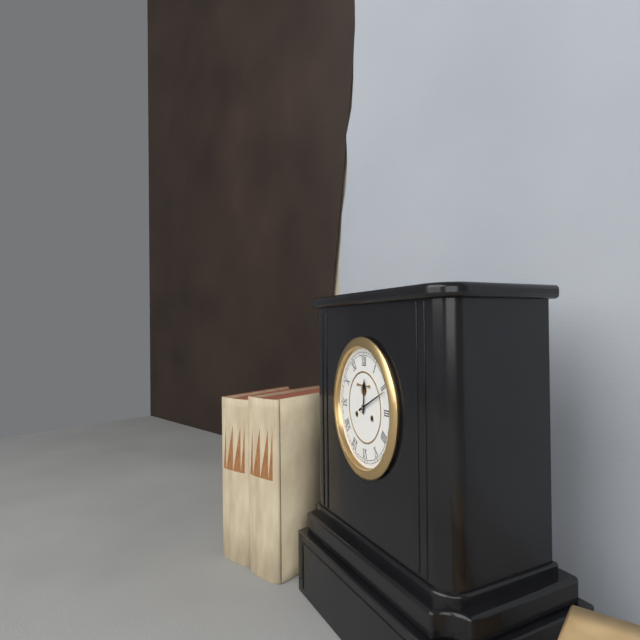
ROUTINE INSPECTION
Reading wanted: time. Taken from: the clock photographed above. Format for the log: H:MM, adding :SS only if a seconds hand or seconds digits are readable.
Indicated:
12:11
